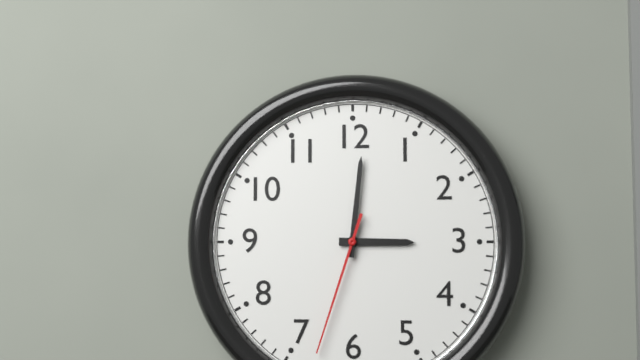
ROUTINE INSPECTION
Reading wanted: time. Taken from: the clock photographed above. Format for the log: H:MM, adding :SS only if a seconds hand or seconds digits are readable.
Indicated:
3:01:33
